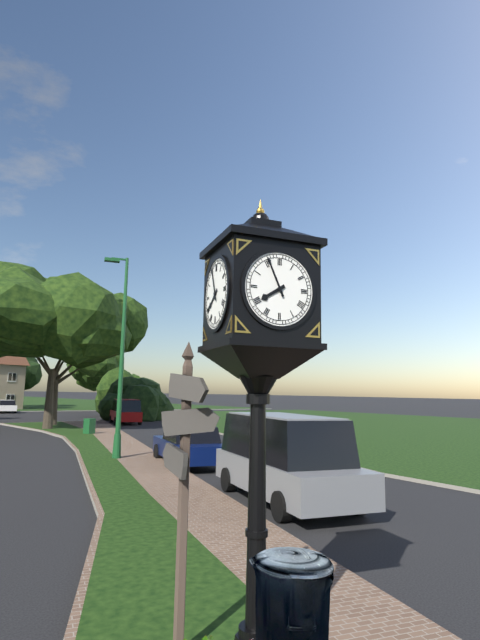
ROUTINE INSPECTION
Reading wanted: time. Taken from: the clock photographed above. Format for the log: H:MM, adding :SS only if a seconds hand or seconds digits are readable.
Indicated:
7:56
